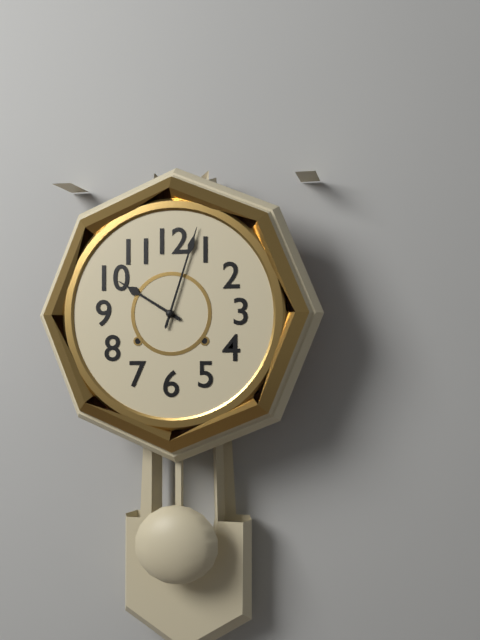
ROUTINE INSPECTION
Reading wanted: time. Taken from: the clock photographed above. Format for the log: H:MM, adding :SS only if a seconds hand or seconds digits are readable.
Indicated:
10:03
